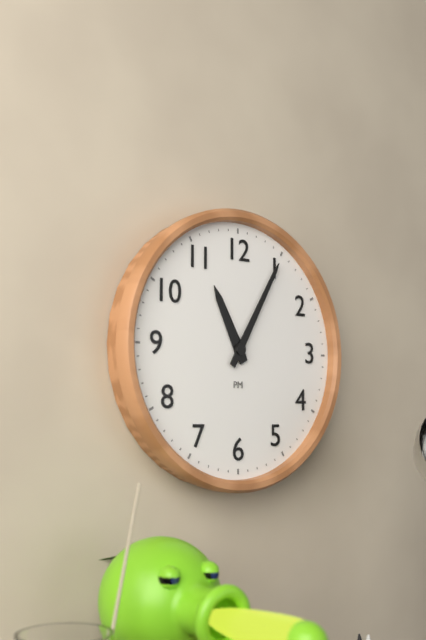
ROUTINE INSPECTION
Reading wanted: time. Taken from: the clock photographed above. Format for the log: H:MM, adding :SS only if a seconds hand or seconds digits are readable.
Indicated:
11:05
